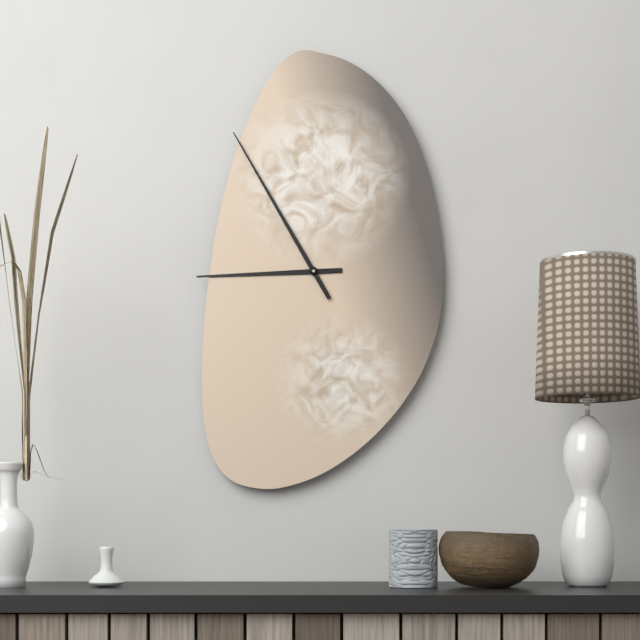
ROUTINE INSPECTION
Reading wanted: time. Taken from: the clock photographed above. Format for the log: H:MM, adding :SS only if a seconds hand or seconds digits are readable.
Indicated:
8:55
